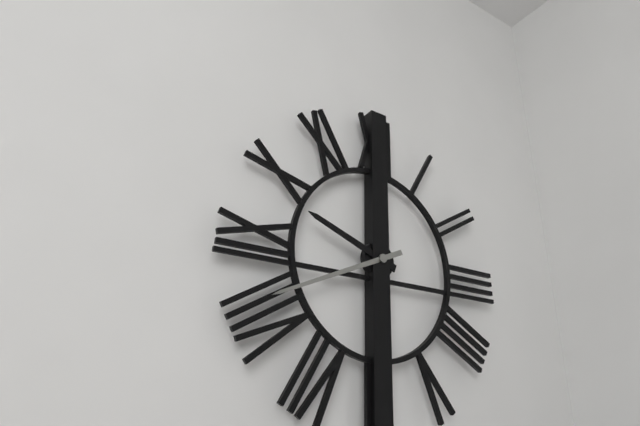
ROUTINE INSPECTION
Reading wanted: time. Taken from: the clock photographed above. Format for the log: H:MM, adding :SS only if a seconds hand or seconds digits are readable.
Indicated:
9:41
